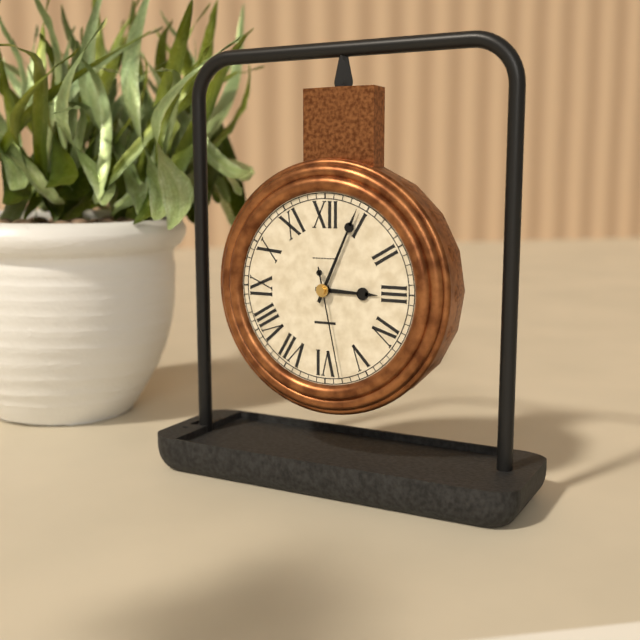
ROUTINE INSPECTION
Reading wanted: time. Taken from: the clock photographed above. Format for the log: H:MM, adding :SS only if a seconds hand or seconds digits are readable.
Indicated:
3:04:28
